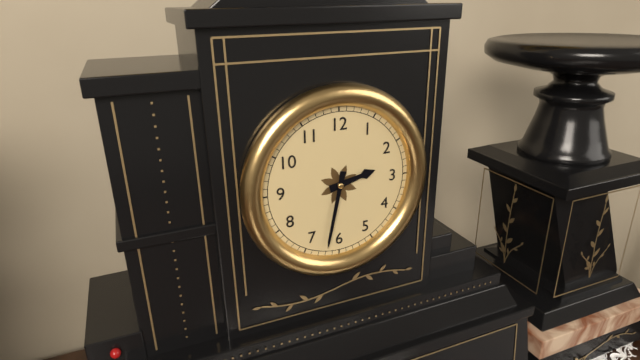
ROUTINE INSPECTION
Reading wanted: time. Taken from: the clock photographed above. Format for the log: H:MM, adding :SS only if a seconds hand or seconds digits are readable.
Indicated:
2:32
